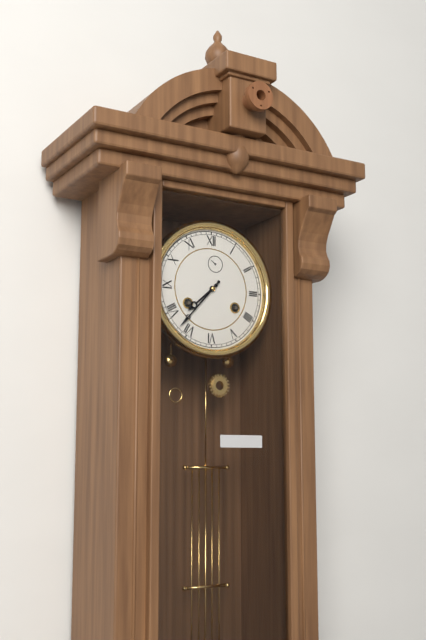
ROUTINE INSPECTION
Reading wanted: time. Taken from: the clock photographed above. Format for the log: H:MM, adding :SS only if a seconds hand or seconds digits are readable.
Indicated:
7:37
